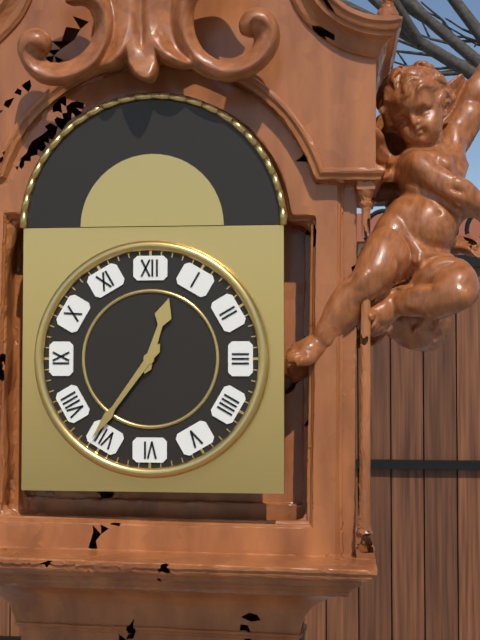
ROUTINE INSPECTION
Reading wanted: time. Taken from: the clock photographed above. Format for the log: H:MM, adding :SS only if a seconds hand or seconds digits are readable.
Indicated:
12:36
